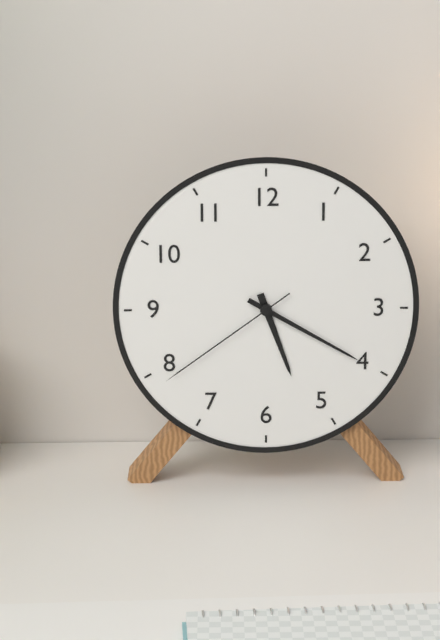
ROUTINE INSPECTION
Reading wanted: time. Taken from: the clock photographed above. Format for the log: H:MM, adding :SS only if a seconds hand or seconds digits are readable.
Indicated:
5:20:39
